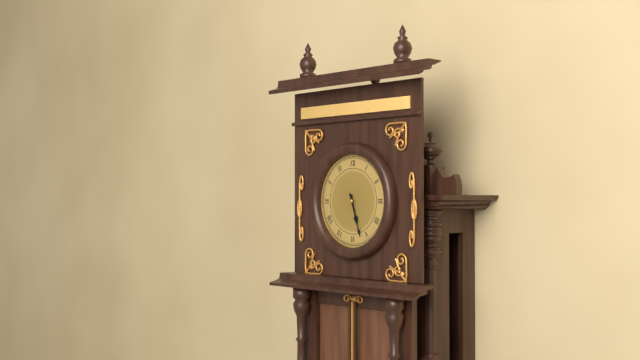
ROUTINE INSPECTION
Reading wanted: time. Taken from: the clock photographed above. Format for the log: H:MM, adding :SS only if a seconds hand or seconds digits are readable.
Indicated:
5:27
